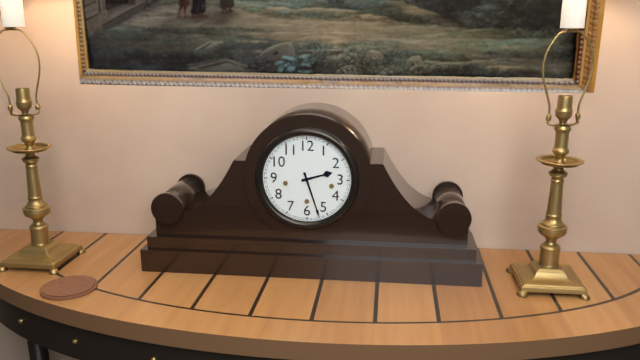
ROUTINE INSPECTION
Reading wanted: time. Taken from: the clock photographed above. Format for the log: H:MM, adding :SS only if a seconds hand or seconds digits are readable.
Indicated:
2:27
